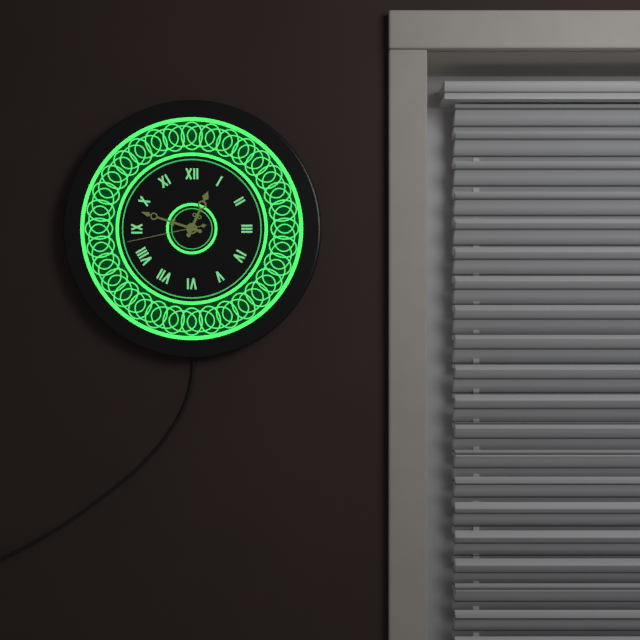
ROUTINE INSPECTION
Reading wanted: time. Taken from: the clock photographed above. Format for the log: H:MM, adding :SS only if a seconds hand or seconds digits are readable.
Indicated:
12:48:43
